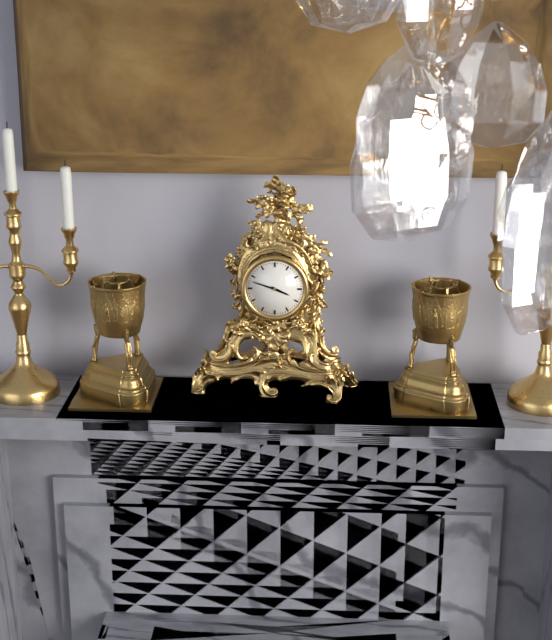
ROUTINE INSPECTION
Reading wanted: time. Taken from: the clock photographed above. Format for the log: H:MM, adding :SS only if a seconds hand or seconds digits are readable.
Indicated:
3:48
